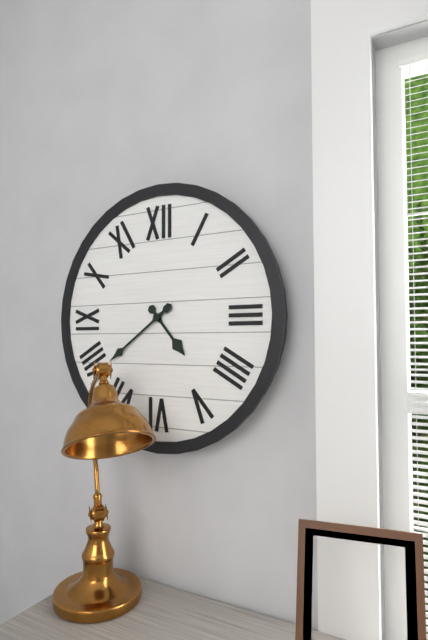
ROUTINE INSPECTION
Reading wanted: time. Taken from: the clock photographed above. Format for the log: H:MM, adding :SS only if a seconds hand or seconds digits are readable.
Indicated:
4:39
